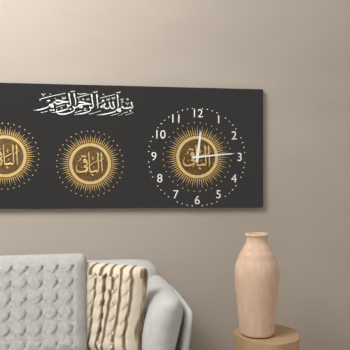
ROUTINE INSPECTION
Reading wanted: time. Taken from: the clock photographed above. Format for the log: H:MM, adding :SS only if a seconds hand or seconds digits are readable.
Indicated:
12:14
